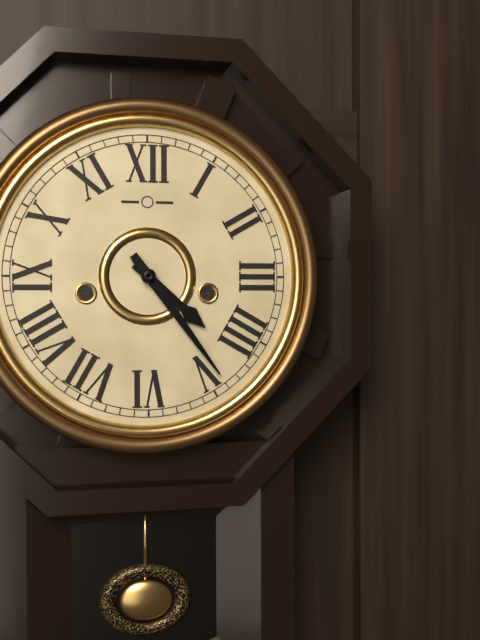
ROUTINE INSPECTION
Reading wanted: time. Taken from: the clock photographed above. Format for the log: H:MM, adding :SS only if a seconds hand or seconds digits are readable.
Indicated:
4:24
